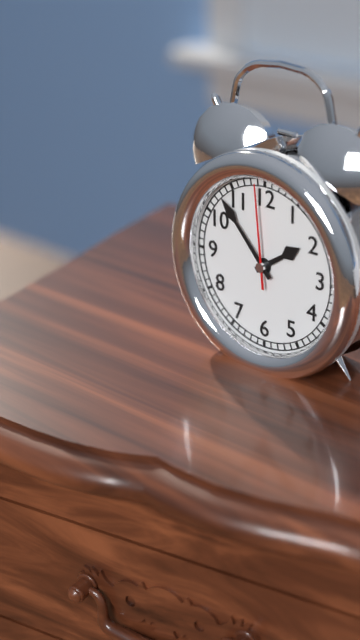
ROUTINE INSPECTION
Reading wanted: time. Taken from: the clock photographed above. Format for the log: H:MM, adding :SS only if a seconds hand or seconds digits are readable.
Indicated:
1:53:59
